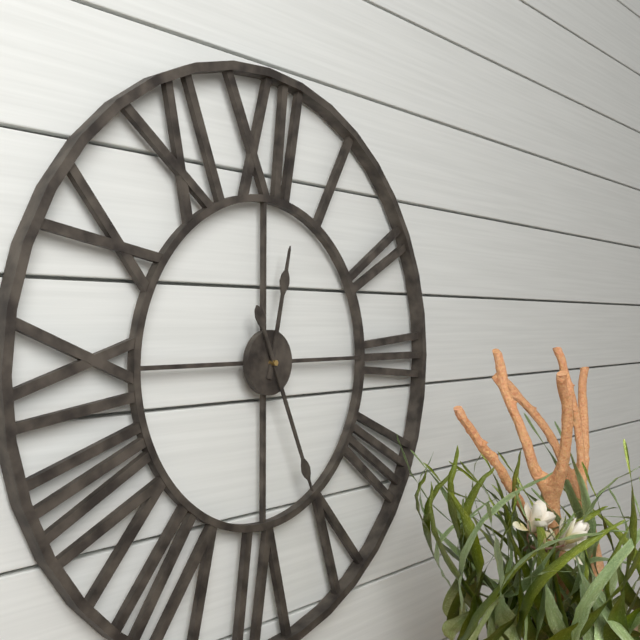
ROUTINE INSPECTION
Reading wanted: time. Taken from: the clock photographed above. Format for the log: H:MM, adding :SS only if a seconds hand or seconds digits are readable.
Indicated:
12:26
